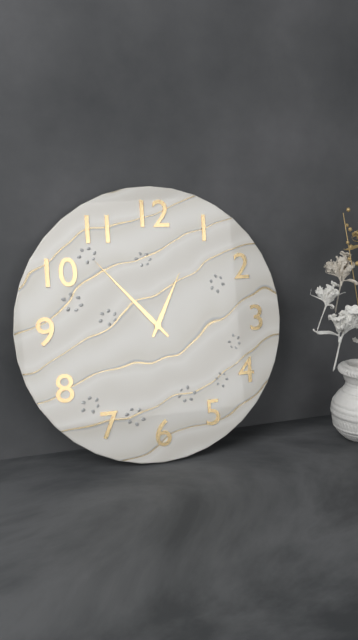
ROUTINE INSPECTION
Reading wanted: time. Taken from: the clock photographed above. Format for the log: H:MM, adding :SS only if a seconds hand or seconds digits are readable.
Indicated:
12:53
